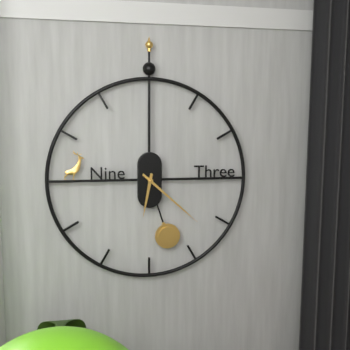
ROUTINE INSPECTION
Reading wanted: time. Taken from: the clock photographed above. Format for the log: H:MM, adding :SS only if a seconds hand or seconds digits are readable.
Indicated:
6:22
